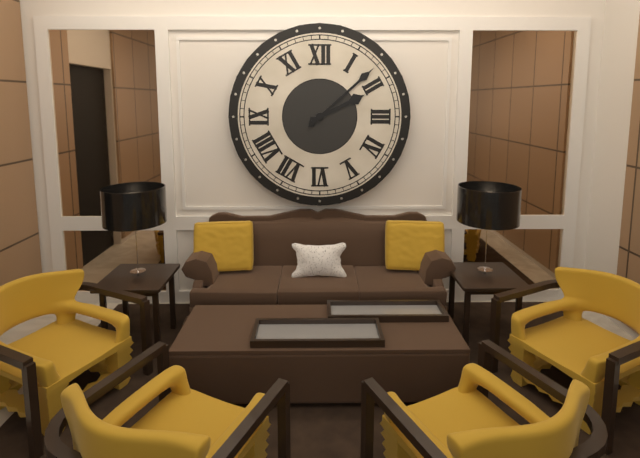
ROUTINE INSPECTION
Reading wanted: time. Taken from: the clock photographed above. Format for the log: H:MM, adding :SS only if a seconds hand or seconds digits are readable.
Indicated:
2:08
